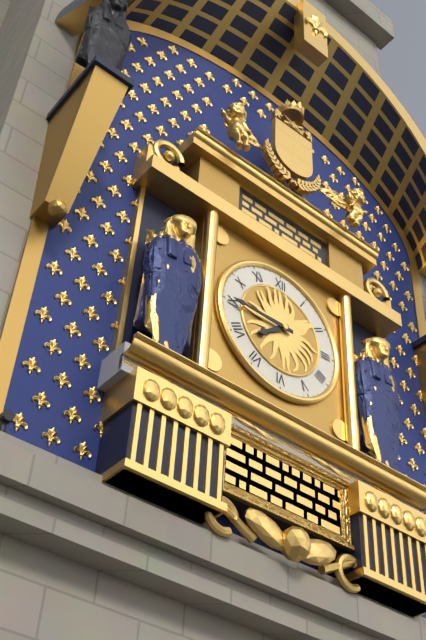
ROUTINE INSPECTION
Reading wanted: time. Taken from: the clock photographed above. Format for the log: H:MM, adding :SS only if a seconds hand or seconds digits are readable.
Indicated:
7:45
